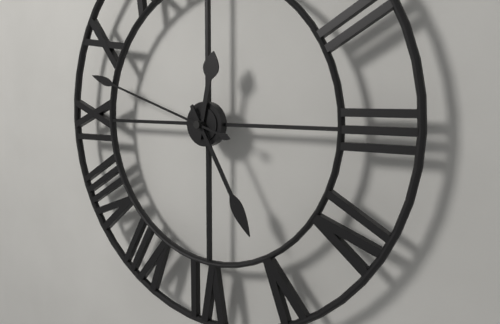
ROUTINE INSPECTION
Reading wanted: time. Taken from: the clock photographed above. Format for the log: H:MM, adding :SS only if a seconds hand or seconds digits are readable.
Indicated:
12:25:48
